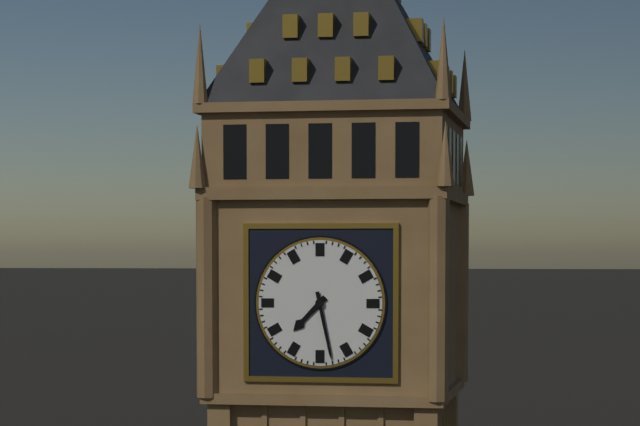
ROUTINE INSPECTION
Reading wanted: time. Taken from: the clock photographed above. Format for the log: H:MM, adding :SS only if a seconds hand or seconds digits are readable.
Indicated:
7:28
